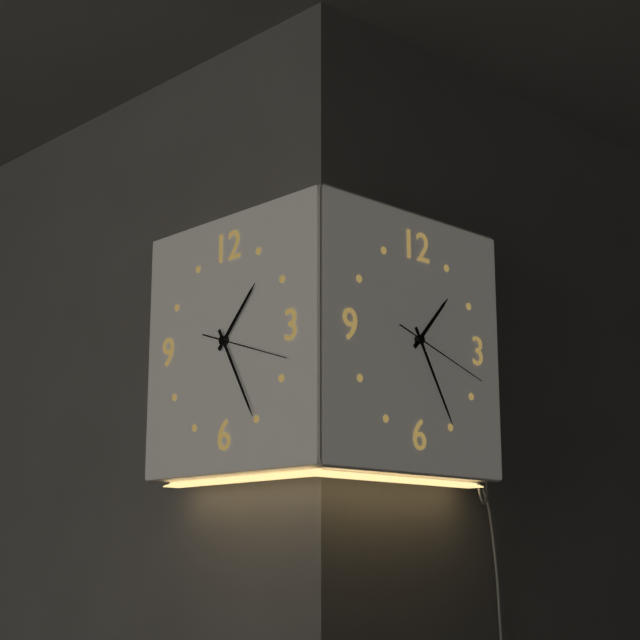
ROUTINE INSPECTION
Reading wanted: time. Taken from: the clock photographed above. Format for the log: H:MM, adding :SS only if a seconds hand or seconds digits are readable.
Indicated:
1:25:18
